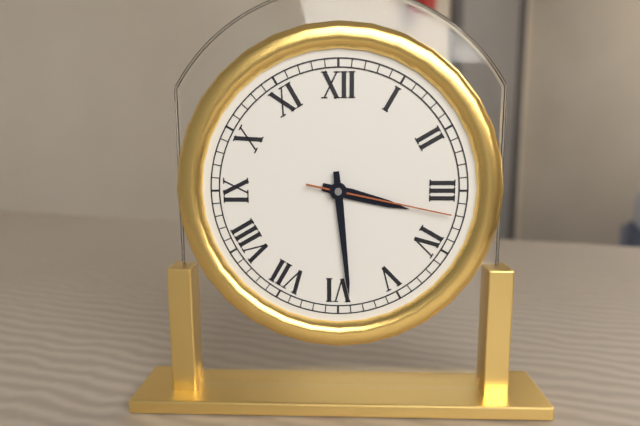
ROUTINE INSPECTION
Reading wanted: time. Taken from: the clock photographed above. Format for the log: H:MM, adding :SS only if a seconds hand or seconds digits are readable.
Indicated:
3:29:17
